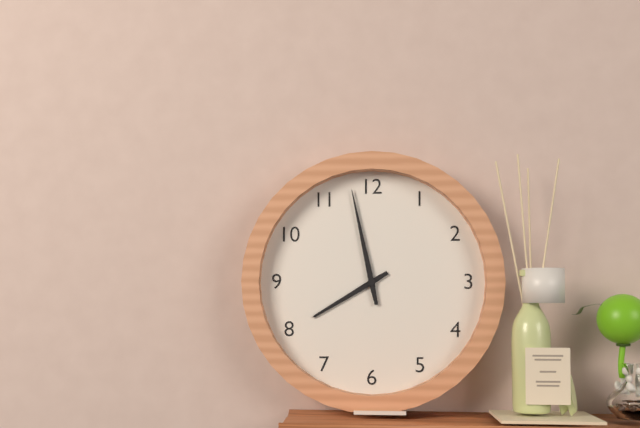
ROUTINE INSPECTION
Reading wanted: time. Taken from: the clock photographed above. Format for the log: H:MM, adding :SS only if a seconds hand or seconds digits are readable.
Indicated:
7:58
